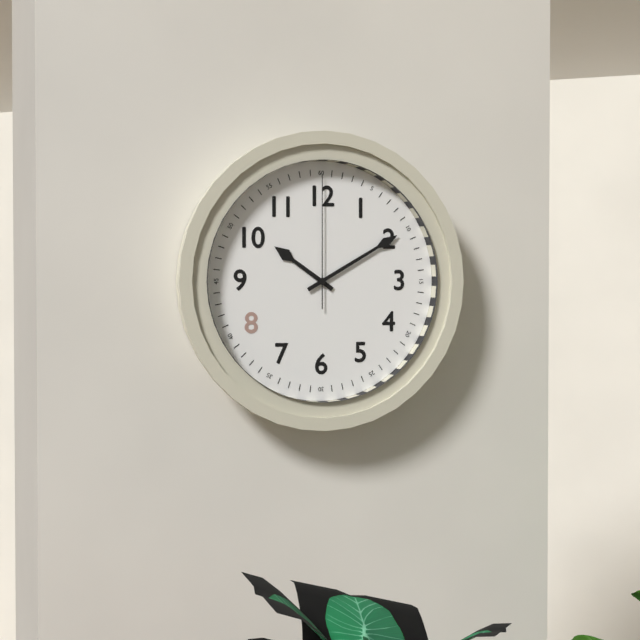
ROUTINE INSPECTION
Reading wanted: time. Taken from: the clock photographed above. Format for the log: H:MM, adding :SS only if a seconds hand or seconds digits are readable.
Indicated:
10:10:00
